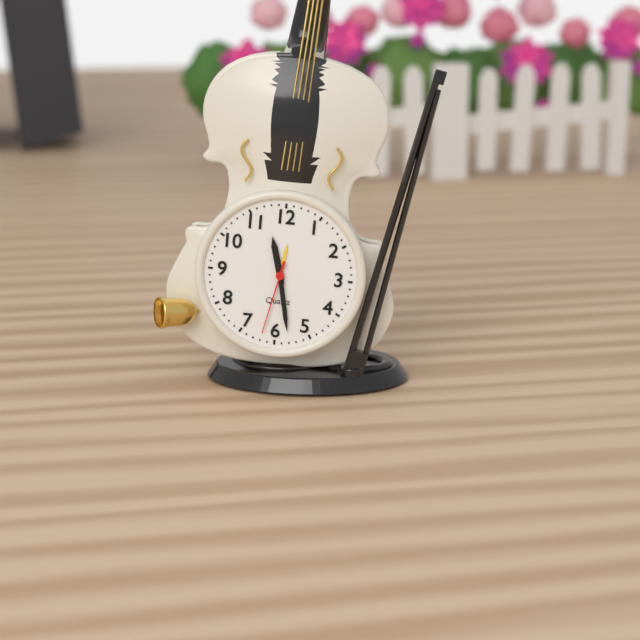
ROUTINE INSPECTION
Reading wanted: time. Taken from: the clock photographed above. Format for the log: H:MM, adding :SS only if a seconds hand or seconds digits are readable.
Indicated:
11:28:32
